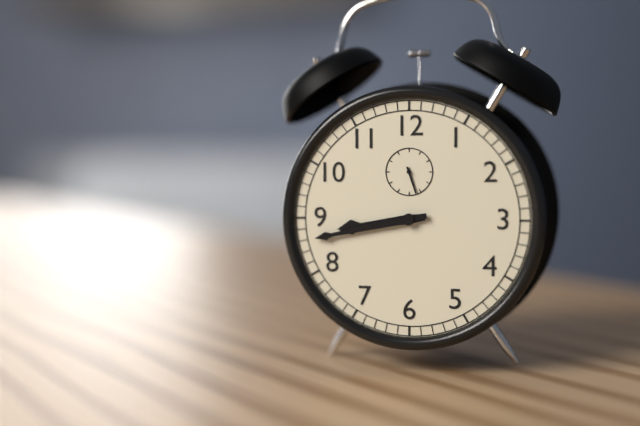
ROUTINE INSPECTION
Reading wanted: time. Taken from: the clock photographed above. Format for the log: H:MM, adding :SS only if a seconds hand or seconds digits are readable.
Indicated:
8:43
